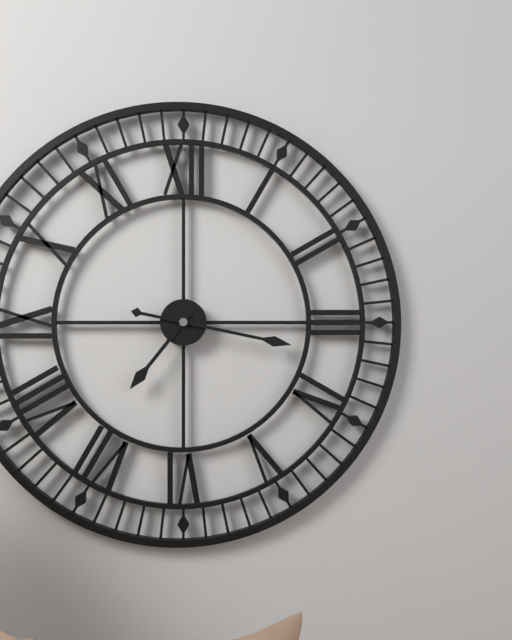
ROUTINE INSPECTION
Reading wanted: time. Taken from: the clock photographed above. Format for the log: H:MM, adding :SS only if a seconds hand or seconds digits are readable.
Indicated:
7:17
